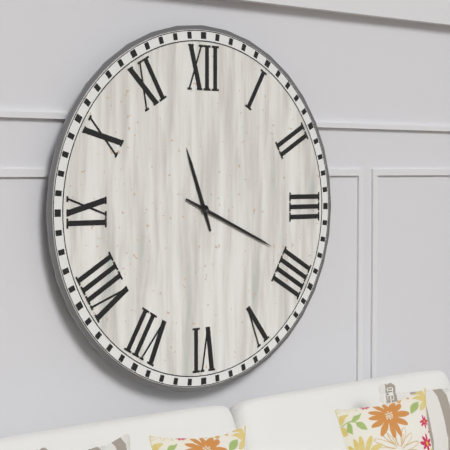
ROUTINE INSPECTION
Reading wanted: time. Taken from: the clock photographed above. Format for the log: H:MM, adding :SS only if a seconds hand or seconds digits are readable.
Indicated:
11:19
